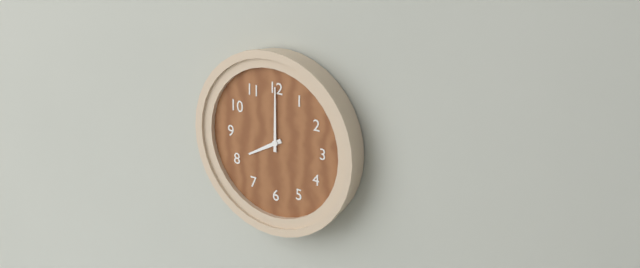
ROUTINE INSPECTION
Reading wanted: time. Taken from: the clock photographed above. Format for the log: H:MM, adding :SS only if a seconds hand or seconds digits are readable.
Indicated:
8:00
